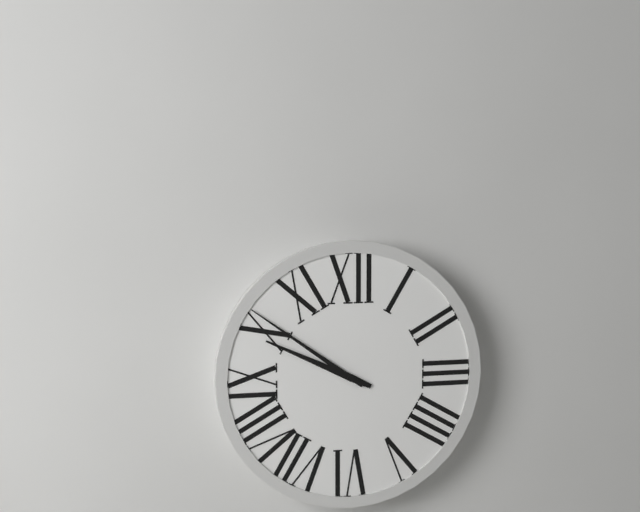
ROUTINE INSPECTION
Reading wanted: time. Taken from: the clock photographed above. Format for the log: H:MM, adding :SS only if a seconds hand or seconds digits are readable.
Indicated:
9:51
